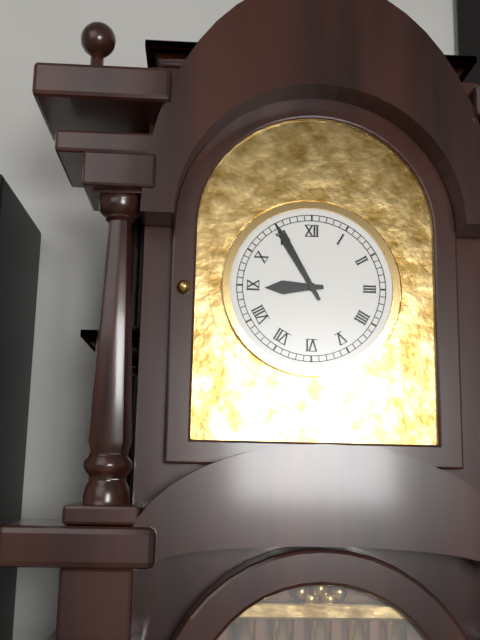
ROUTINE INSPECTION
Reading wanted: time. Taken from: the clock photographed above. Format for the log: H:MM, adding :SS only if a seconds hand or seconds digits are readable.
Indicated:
8:55
